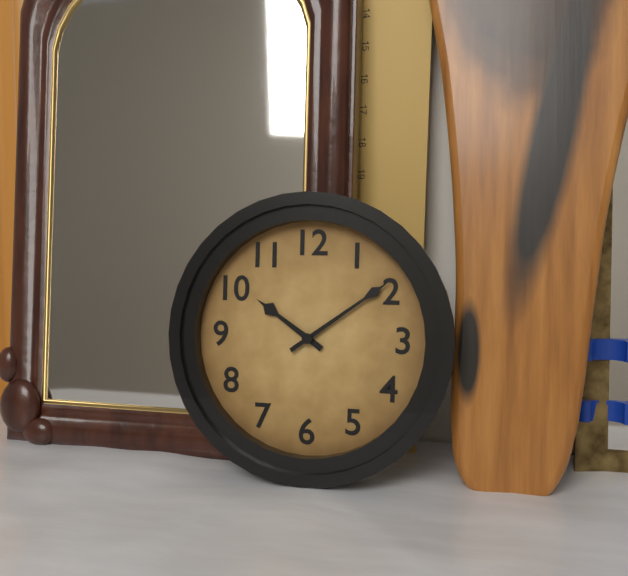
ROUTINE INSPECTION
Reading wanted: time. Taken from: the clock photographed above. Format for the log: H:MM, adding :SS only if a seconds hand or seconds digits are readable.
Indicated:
10:09
